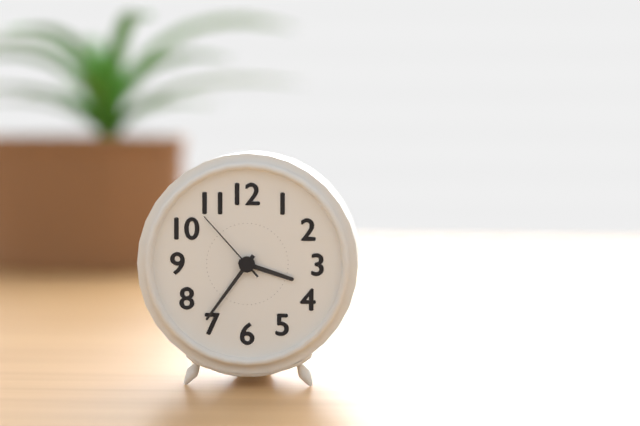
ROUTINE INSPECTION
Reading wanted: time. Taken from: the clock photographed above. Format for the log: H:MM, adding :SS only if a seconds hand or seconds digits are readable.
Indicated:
3:36:53
